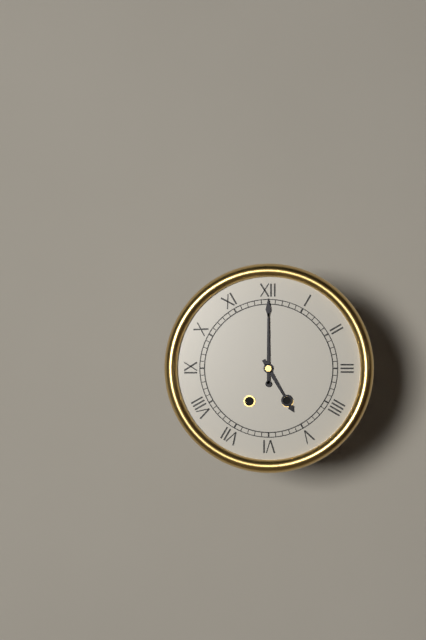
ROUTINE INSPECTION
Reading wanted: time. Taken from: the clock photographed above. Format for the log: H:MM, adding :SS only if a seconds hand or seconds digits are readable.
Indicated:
5:00
